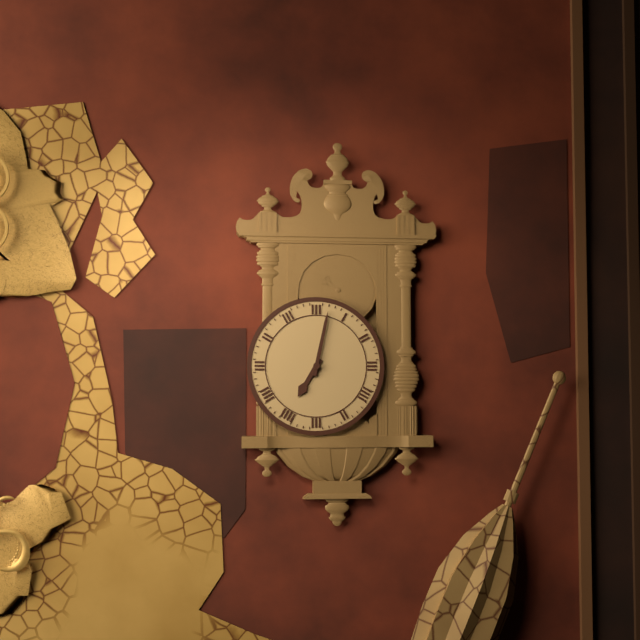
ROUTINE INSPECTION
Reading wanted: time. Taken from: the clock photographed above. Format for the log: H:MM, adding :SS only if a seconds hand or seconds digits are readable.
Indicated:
7:02
